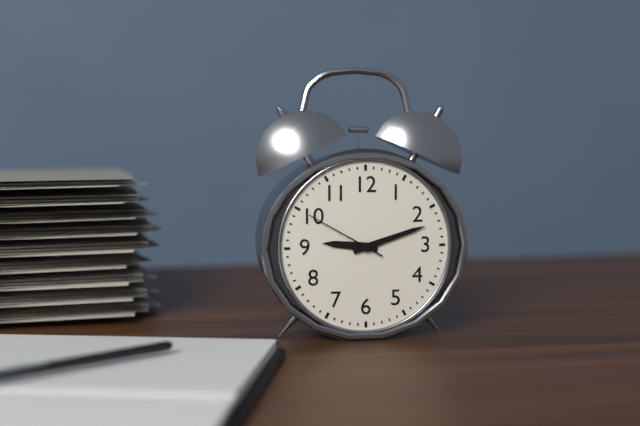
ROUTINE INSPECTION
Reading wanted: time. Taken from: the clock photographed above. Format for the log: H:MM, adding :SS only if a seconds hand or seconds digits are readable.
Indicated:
9:12:50
